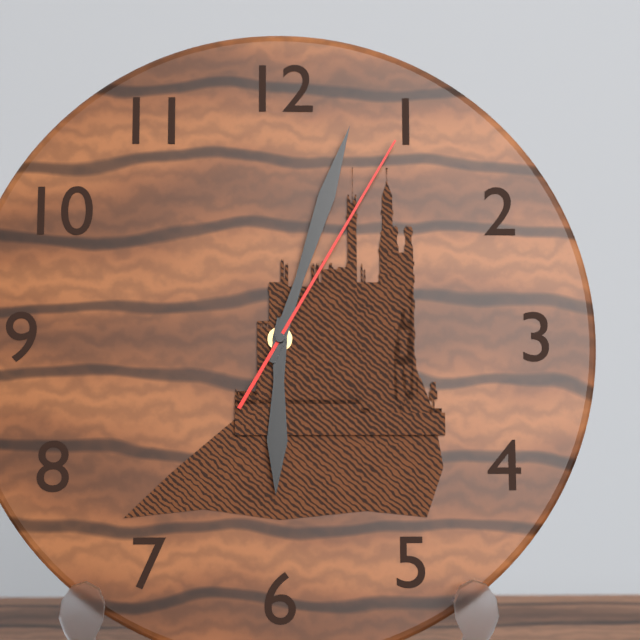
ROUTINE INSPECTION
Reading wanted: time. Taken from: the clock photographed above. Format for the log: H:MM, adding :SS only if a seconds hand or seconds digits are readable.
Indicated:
6:03:05
